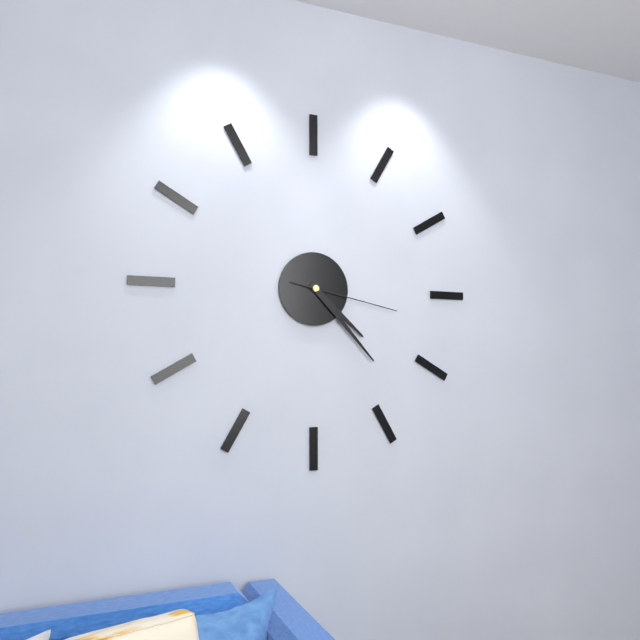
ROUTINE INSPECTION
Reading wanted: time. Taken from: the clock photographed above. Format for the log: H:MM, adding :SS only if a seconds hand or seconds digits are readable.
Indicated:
4:23:17
